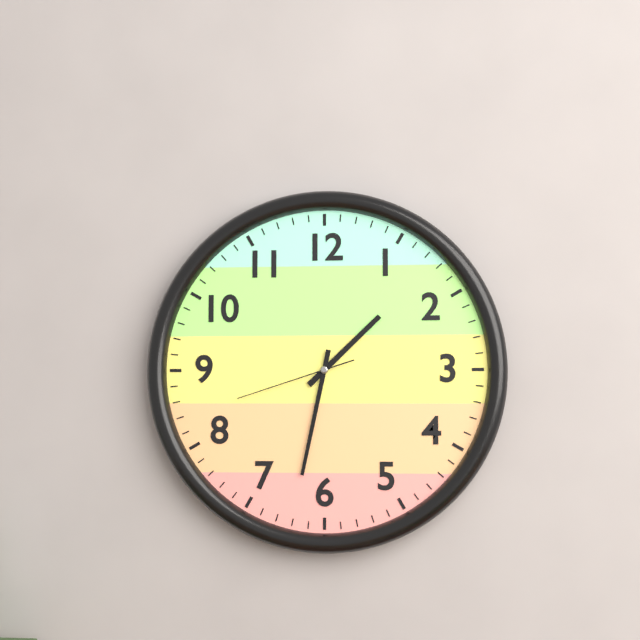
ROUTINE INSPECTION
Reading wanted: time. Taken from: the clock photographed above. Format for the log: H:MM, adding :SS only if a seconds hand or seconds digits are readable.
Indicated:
1:32:42
